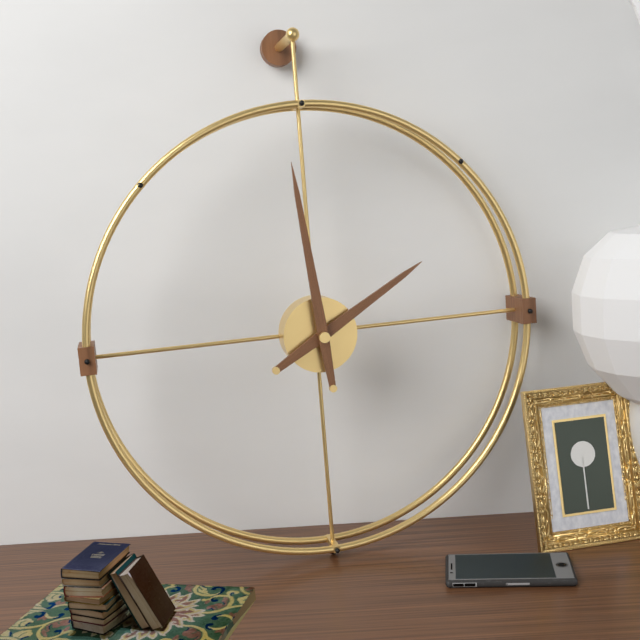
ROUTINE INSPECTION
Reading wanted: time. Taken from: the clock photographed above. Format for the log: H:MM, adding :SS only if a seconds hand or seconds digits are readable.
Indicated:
1:59
